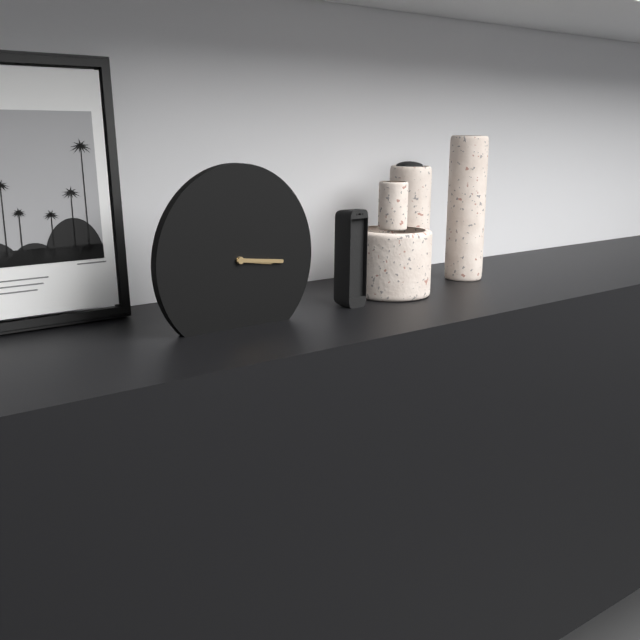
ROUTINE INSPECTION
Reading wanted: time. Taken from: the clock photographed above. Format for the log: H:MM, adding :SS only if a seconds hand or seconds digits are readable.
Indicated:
3:16
